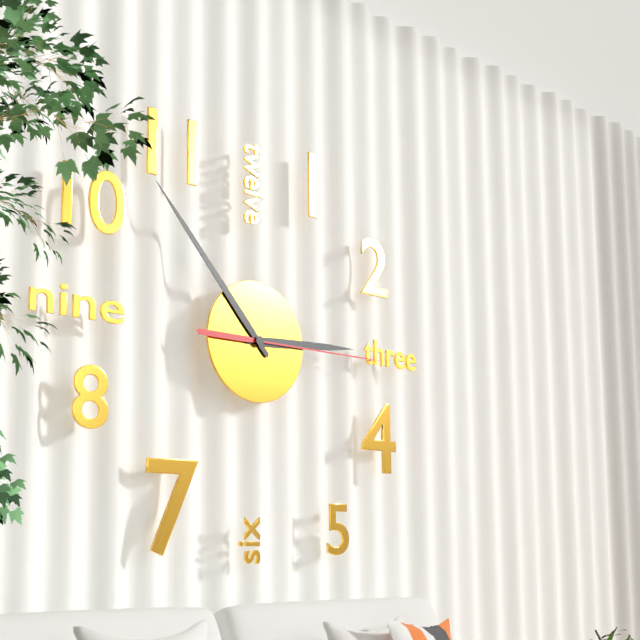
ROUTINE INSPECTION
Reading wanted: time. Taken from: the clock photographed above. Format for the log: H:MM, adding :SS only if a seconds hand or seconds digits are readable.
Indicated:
2:53:15
